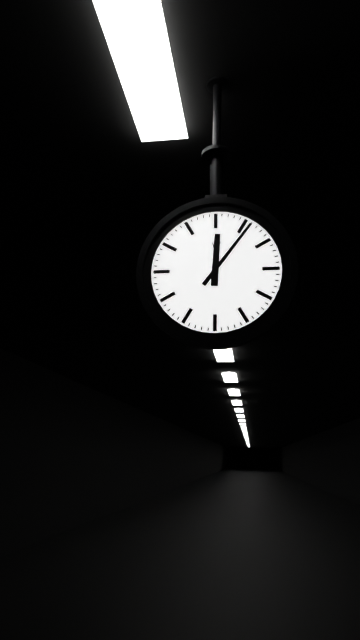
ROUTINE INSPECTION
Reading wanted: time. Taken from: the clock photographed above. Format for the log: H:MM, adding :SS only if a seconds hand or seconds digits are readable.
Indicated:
12:06
